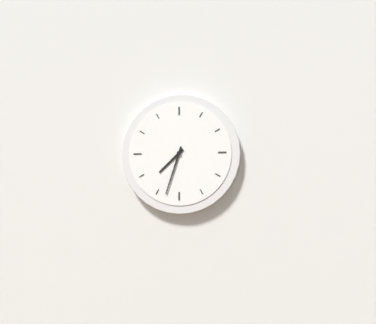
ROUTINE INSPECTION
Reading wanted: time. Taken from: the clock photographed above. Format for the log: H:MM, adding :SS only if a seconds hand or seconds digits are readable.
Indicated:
7:33
